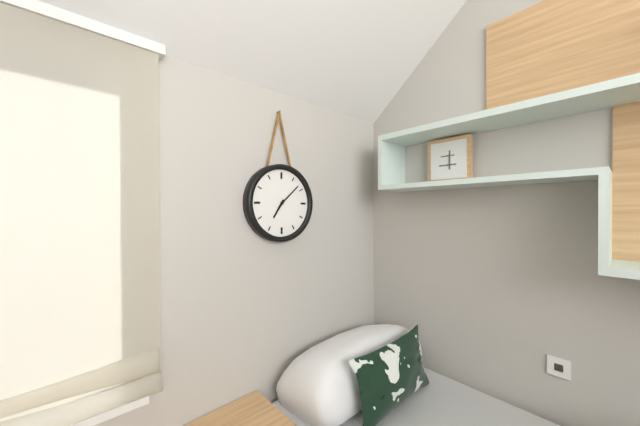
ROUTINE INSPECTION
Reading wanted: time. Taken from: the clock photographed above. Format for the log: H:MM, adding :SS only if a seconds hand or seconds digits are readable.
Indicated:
7:08
